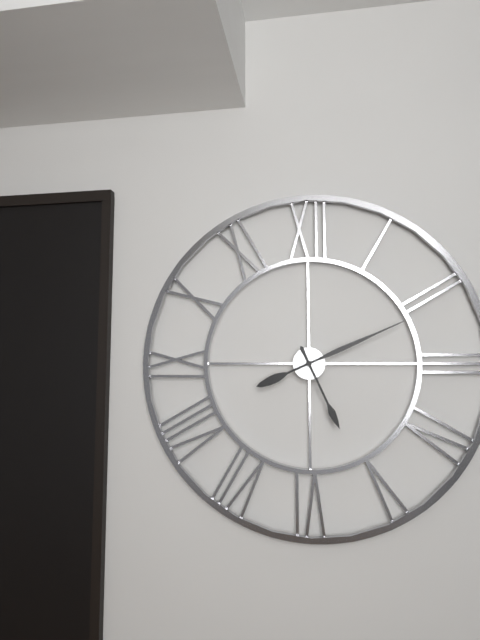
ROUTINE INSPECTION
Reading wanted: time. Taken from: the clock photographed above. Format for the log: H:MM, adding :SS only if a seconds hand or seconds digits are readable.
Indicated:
5:11
